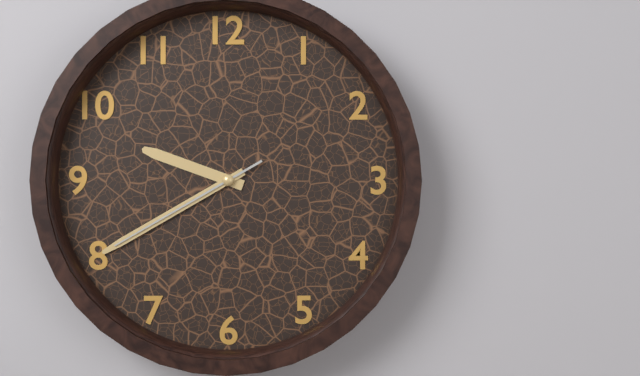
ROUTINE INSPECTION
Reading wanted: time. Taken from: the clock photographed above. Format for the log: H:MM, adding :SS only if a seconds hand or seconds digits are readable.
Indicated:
9:40:40
